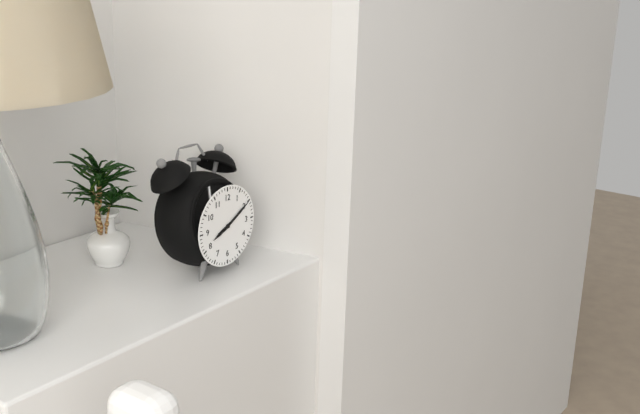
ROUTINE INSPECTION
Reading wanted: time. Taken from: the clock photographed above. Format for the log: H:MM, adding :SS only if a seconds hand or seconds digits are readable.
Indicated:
8:10
